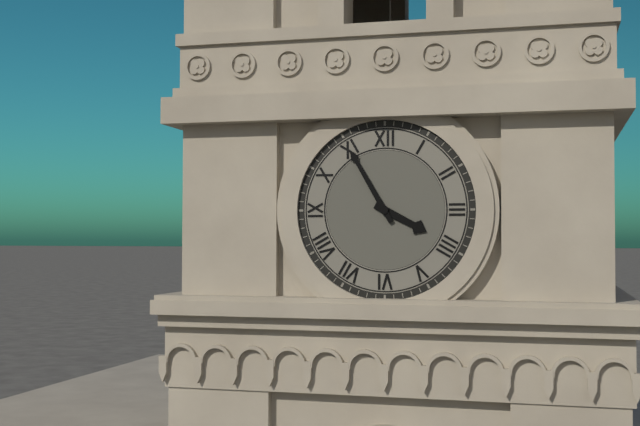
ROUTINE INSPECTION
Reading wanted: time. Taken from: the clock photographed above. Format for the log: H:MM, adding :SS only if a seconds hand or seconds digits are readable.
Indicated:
3:55
